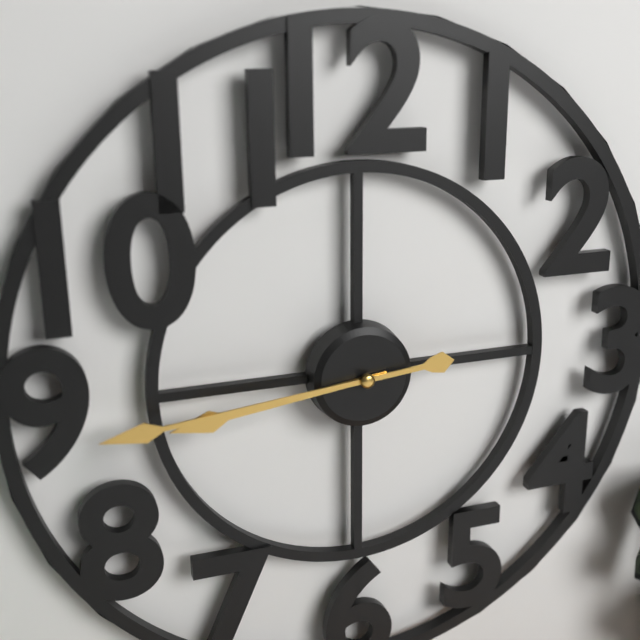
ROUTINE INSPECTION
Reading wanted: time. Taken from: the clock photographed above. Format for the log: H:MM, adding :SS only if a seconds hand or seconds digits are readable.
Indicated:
8:44
